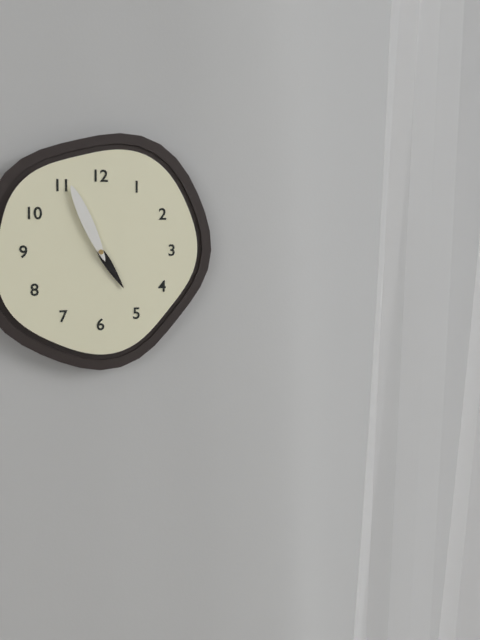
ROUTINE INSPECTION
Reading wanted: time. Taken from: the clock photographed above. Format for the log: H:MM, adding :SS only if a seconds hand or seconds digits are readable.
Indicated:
4:56
